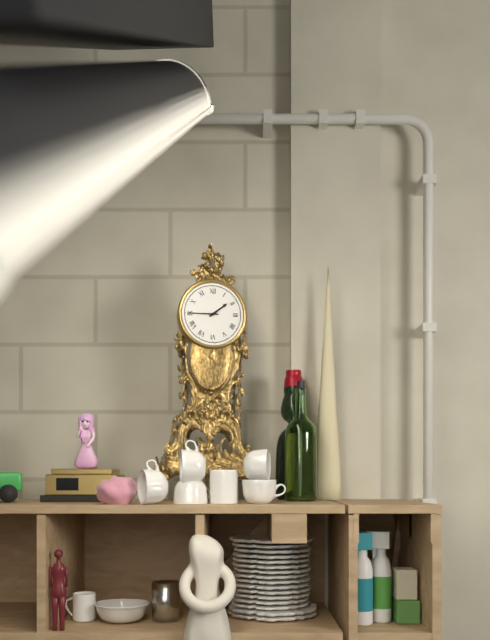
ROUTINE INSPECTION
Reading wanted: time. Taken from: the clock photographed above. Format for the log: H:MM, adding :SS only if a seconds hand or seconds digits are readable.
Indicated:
1:45
